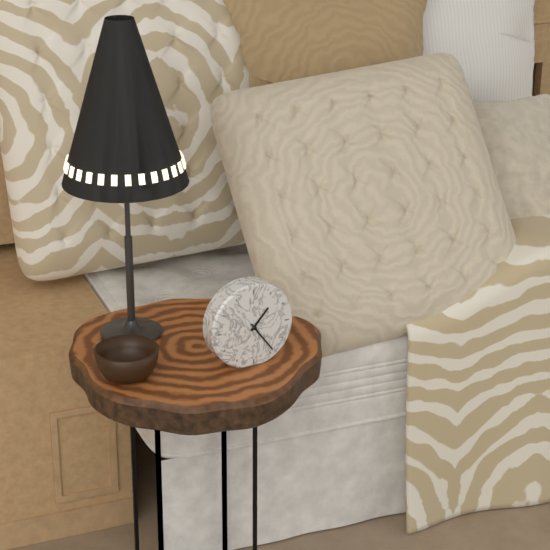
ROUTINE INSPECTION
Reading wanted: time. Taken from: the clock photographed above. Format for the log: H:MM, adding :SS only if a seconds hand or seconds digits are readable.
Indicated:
1:24
